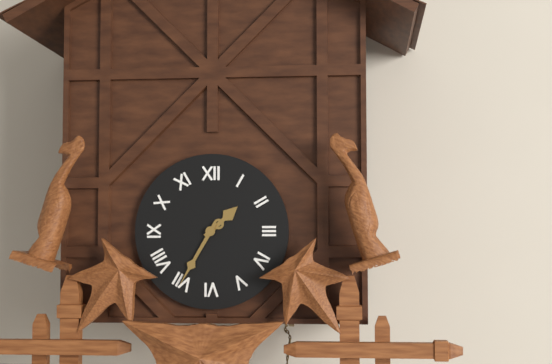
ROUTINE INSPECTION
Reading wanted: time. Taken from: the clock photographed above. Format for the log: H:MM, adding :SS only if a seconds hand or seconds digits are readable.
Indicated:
1:35
